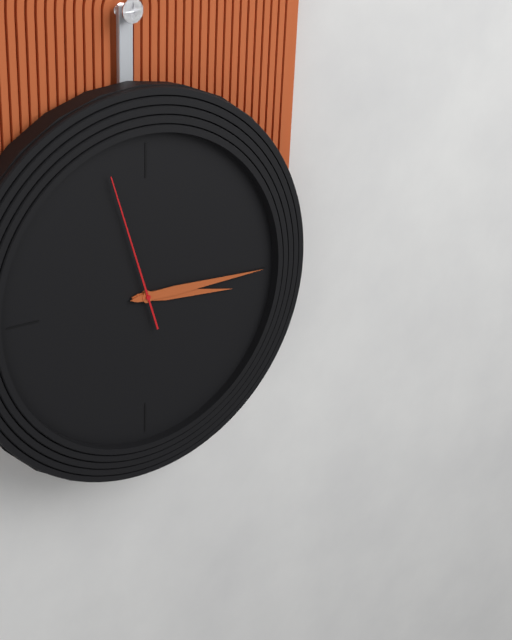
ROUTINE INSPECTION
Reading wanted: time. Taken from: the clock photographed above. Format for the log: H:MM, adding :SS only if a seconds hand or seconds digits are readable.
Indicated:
3:15:57
